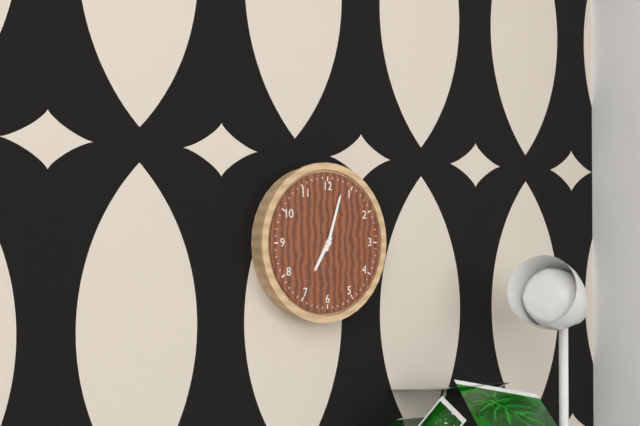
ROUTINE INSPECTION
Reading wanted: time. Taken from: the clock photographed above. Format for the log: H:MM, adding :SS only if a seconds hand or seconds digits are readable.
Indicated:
7:03
